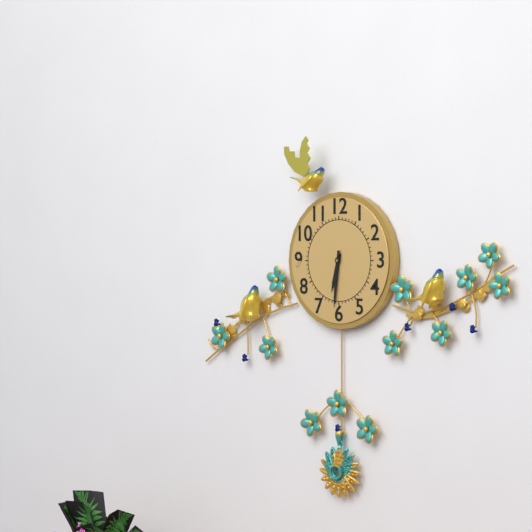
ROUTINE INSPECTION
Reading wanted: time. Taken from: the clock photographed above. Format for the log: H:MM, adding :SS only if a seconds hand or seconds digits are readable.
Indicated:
6:31
